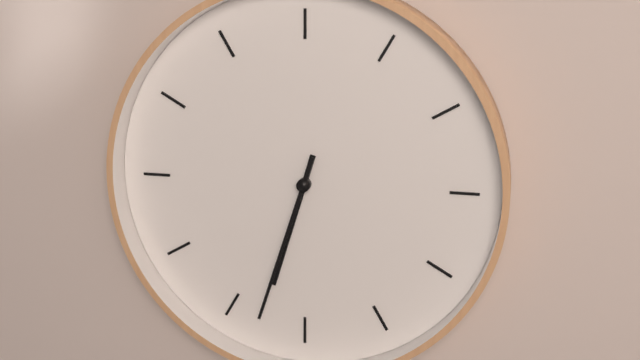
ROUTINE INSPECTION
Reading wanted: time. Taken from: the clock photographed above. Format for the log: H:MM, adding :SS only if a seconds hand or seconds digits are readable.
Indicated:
6:33
